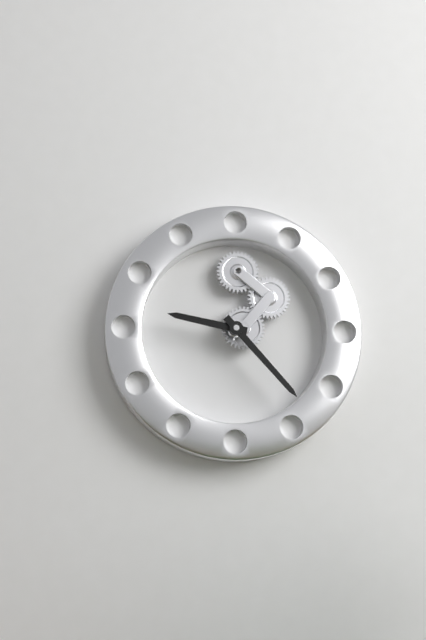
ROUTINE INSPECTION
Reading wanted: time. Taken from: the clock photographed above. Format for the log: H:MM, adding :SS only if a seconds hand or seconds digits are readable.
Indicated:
9:23
